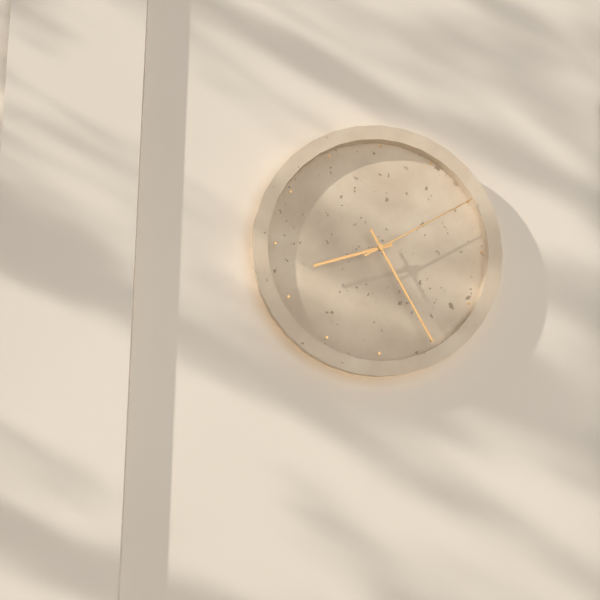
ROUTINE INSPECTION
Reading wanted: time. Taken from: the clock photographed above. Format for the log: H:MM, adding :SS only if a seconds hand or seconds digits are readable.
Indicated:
8:25:10
